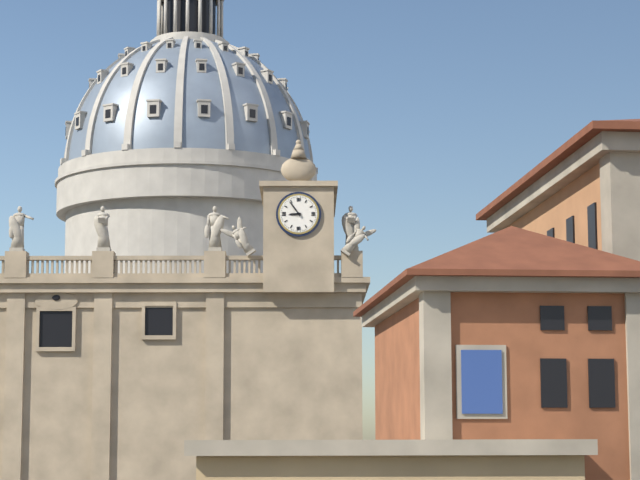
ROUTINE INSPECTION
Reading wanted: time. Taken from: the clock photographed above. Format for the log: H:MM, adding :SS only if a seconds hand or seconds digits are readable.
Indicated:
8:54
